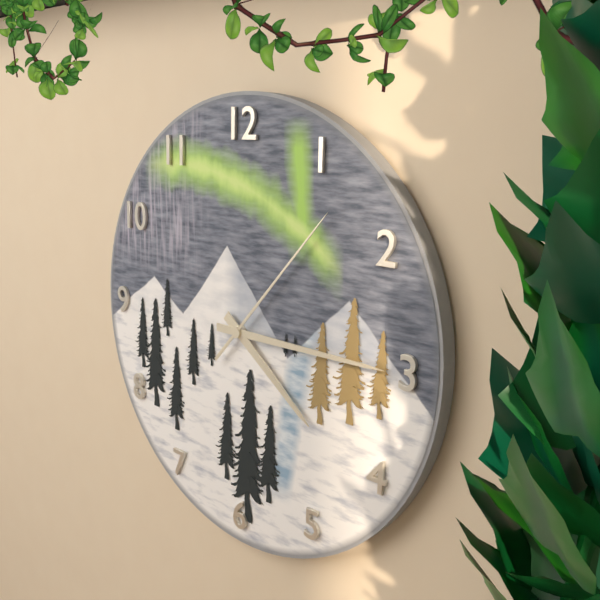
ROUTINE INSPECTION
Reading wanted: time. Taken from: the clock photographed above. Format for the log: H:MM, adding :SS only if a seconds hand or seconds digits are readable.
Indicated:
4:15:07
